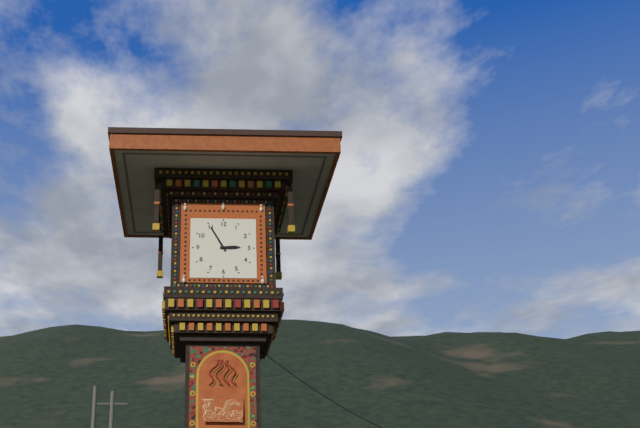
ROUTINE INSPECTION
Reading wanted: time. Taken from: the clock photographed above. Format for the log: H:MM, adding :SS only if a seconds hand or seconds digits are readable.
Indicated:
2:55
